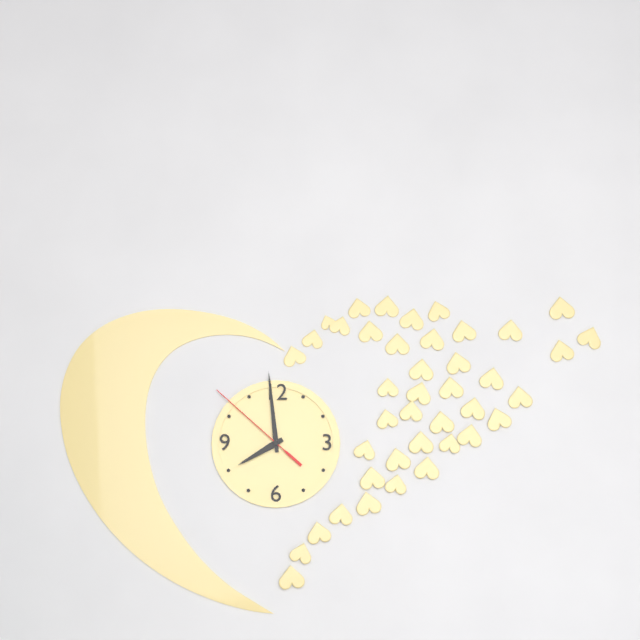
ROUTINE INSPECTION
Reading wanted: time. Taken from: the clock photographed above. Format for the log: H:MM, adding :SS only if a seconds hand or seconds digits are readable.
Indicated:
7:59:52
